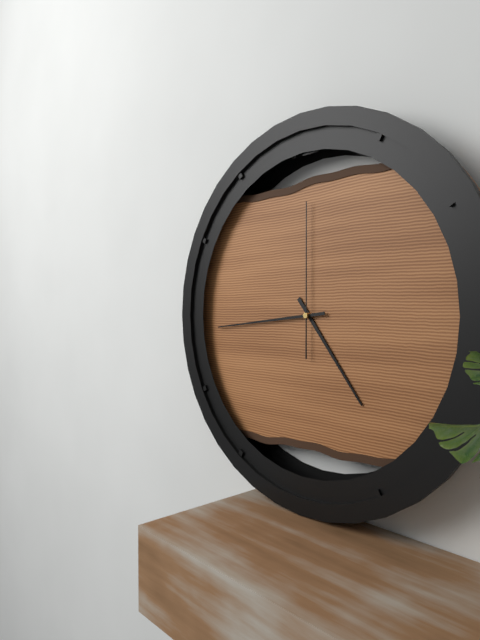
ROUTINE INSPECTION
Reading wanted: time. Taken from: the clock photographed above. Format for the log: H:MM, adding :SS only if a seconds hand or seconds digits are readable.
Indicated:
4:44:00
